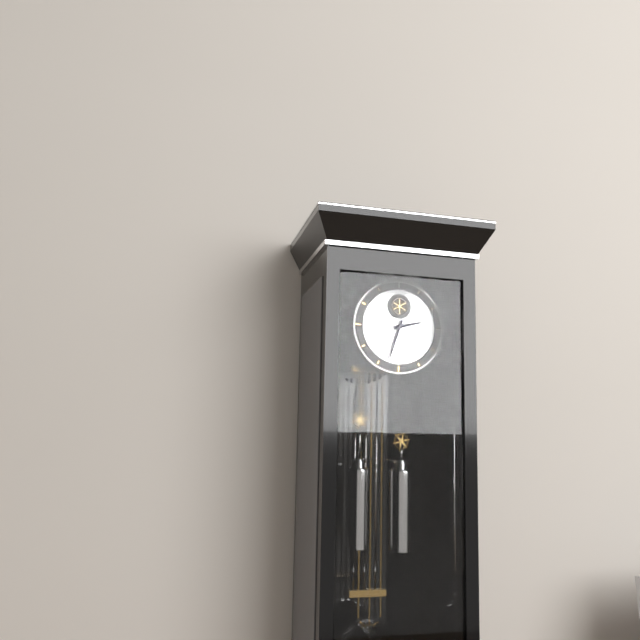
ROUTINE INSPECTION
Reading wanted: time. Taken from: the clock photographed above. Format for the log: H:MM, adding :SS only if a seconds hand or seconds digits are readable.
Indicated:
2:33
